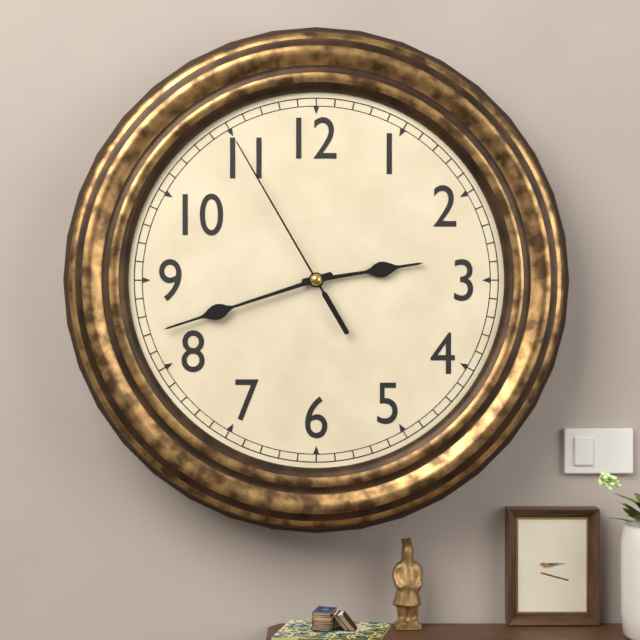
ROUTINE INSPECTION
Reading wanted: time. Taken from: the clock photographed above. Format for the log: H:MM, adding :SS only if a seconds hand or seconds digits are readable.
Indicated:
2:42:55
